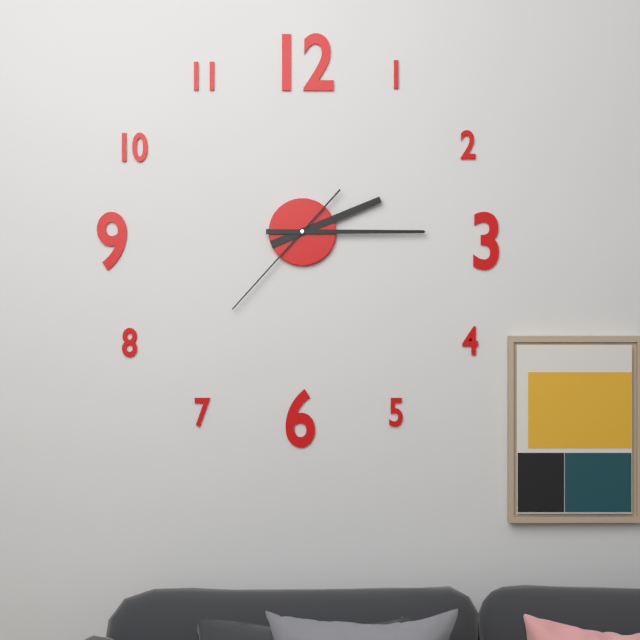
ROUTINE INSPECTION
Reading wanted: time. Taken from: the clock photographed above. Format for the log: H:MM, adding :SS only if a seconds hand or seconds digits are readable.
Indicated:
2:15:37
